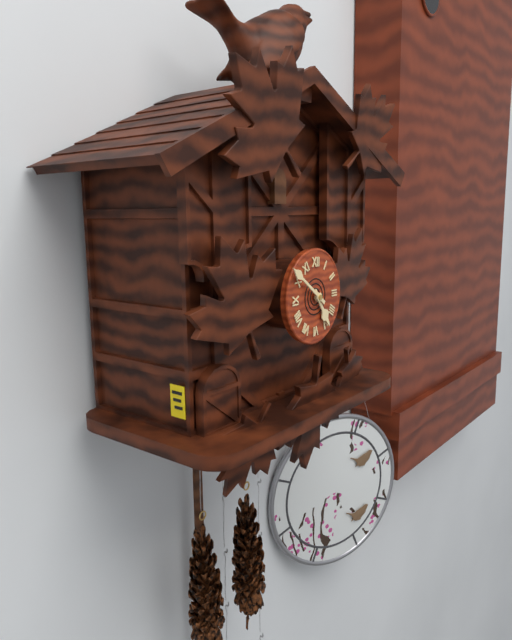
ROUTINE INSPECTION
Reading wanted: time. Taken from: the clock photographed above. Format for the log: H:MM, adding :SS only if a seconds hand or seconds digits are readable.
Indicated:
4:51
